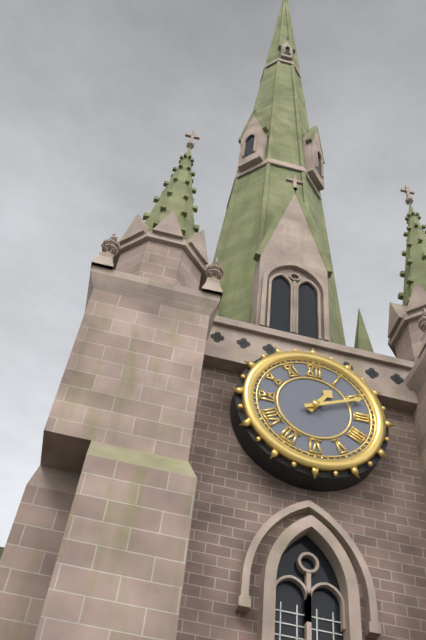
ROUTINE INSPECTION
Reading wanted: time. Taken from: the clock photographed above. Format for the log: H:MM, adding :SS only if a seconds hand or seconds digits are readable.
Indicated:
1:11
